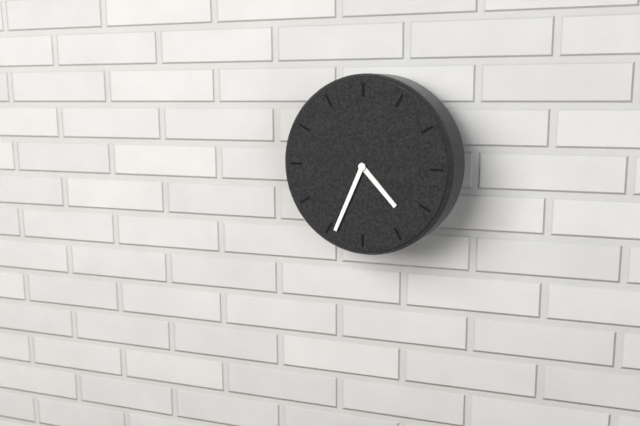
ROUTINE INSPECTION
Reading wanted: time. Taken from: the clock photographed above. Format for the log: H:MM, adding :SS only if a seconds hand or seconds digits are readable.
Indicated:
4:34
